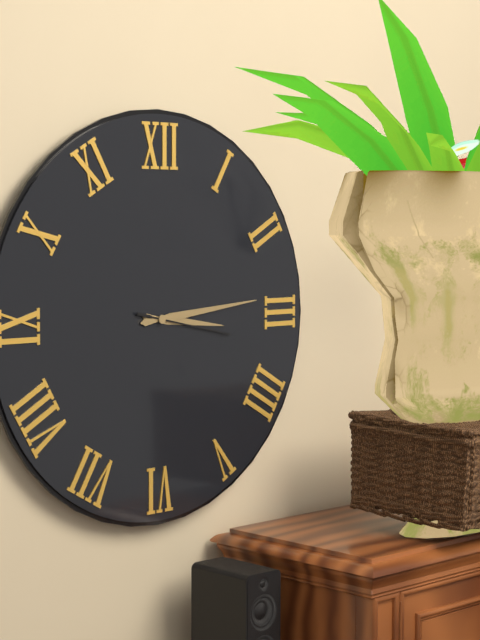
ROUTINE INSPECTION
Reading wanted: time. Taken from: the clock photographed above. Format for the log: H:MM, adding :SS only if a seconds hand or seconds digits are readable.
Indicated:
3:14:17
